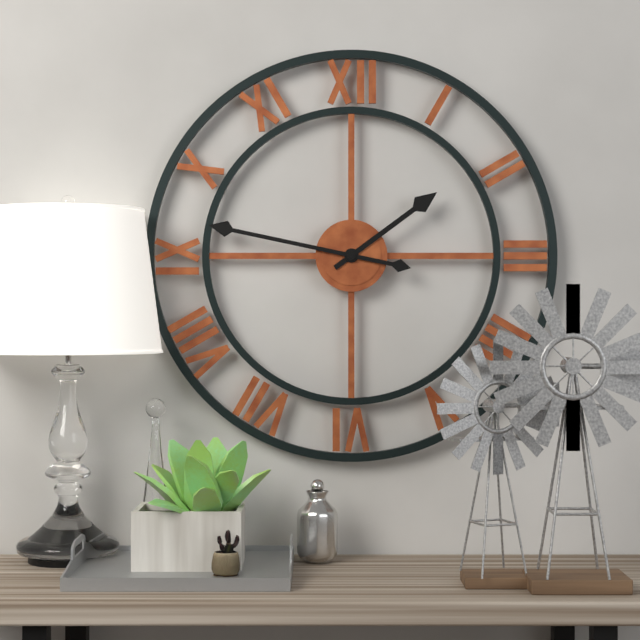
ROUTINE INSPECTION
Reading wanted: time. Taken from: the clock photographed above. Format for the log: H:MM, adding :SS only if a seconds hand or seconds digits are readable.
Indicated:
1:47
